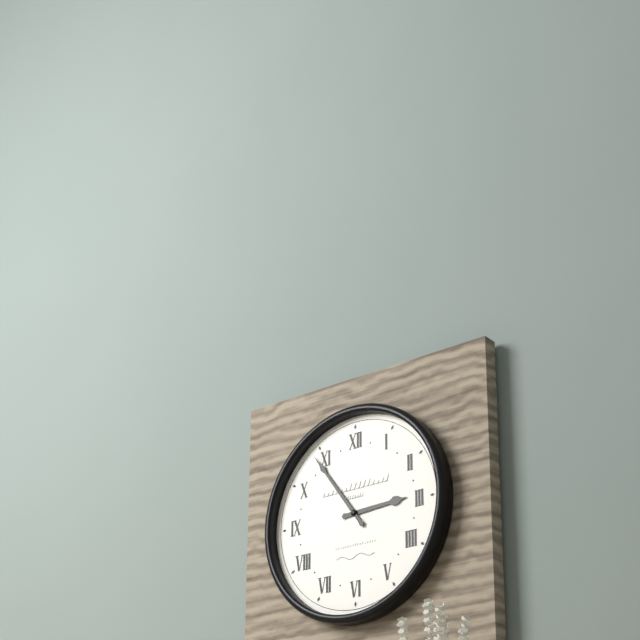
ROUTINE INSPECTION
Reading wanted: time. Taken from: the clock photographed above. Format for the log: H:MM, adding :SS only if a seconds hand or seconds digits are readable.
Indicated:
2:54
